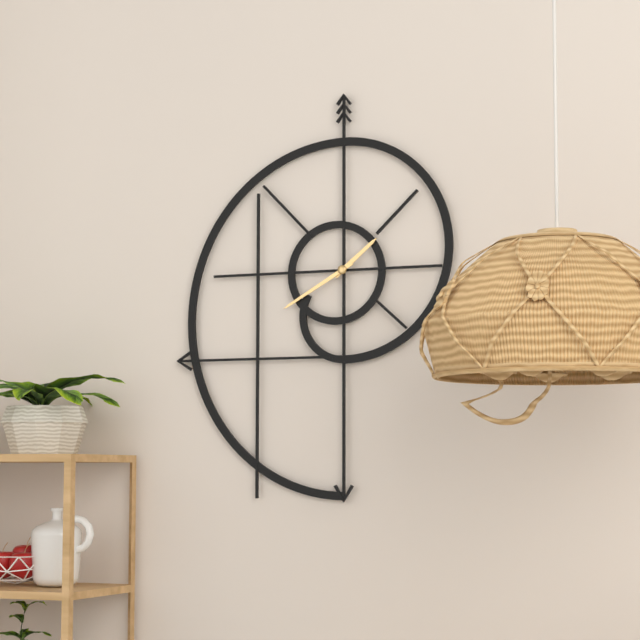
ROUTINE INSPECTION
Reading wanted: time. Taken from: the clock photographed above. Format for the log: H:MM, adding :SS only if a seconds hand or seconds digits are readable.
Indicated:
1:40
